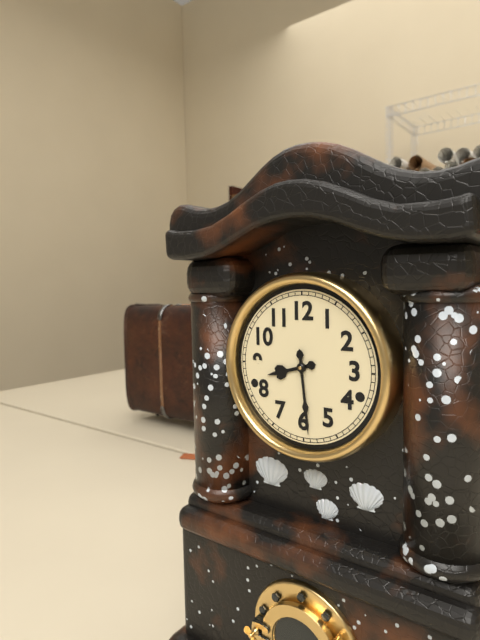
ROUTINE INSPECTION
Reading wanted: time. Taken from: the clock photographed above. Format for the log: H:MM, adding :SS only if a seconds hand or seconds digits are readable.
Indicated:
8:29
